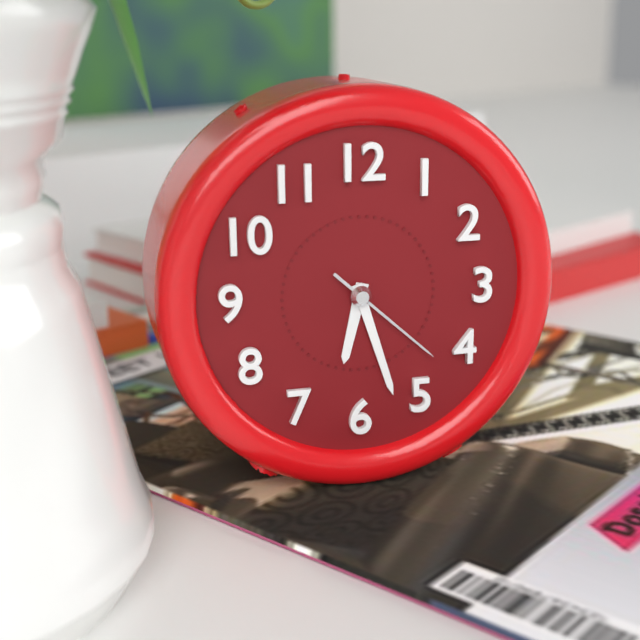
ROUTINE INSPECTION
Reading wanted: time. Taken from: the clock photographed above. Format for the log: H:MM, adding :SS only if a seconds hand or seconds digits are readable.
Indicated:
6:27:22
